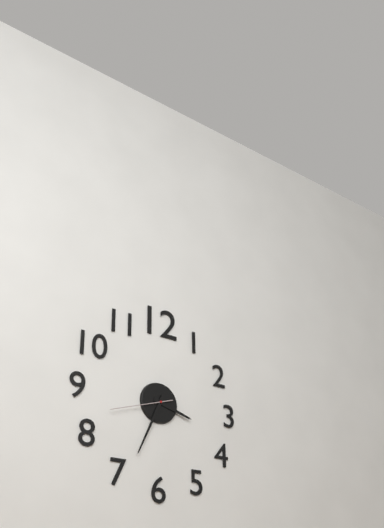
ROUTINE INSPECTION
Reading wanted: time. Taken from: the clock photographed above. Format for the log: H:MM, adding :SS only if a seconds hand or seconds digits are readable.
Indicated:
3:34:42
